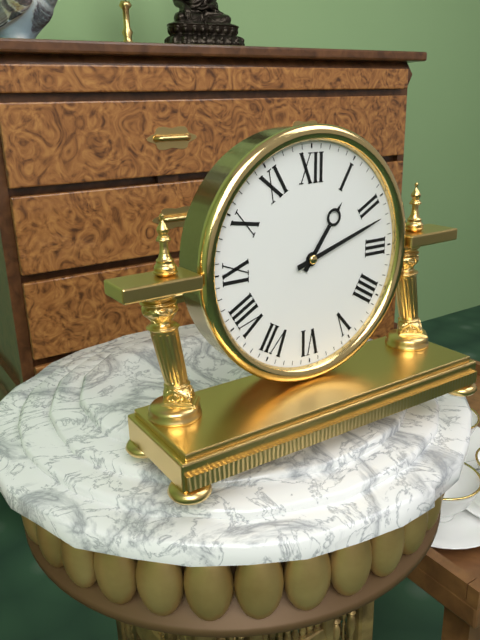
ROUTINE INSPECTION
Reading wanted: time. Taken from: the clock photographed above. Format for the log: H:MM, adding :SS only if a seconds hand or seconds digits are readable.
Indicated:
1:12
